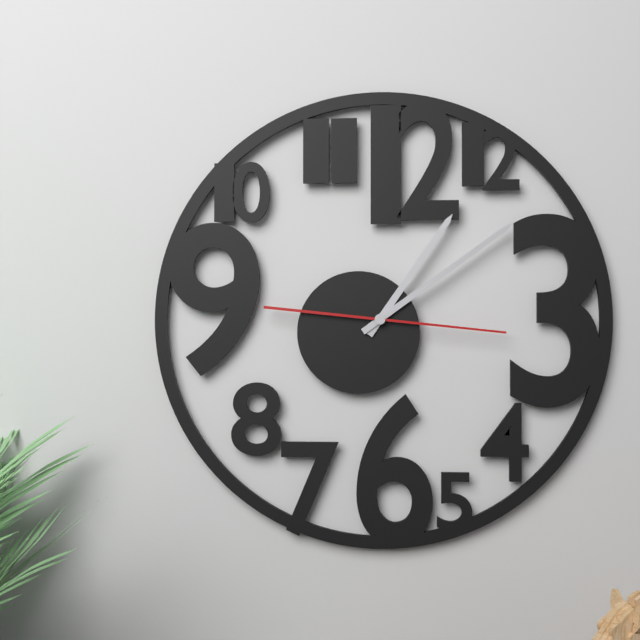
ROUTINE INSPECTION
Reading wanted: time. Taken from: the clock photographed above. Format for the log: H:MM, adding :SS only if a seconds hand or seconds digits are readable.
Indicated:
1:09:16
